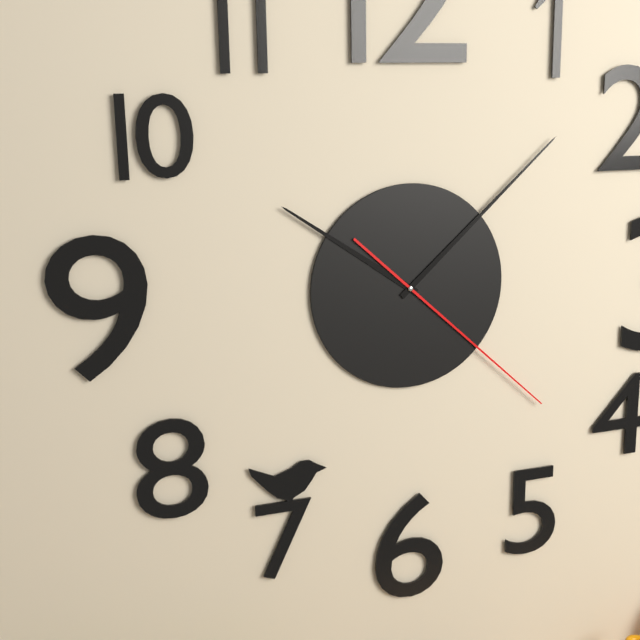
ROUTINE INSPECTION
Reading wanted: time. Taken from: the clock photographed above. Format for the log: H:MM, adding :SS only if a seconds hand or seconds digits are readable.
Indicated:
10:08:22
